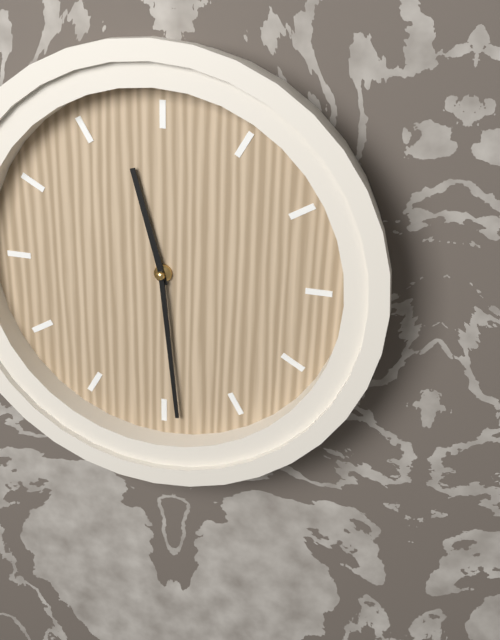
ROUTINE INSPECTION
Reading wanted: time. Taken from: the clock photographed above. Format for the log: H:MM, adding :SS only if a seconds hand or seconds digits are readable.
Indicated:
11:29
